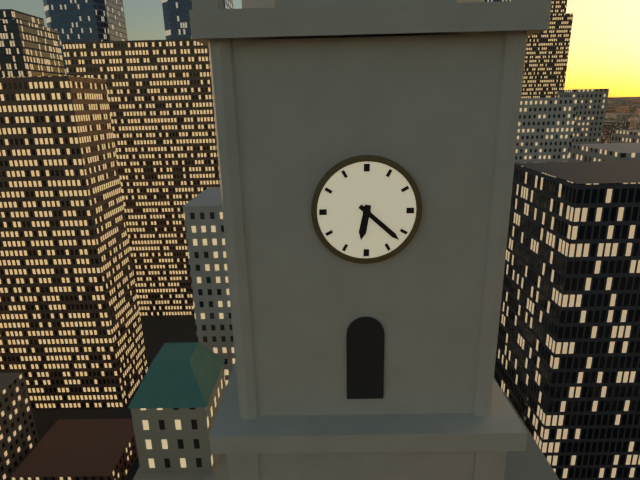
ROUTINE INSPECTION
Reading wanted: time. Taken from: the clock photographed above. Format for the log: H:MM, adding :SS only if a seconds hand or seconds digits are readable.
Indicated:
6:22
